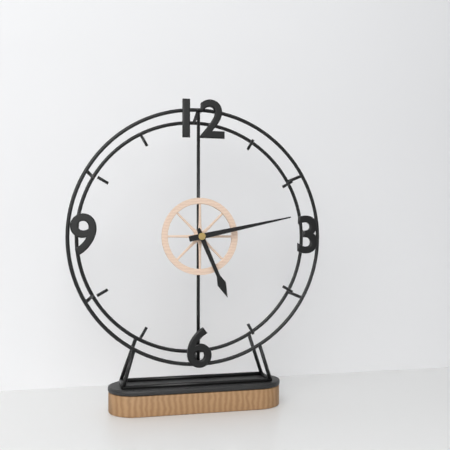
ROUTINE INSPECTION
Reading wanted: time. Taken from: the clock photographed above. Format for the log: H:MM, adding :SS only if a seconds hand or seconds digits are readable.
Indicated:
5:13
